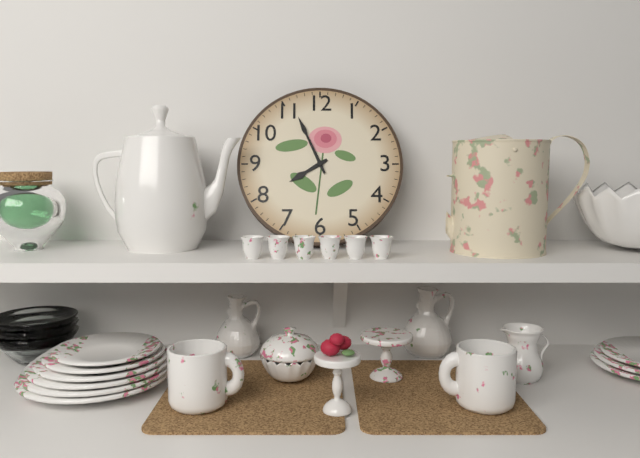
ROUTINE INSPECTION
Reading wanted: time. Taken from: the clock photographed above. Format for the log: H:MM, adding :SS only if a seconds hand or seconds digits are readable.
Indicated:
7:56
